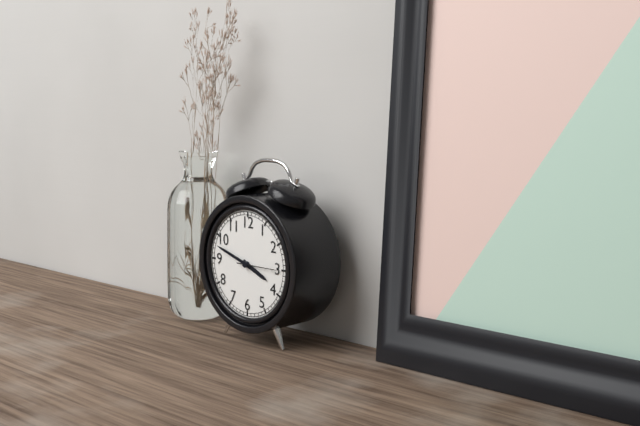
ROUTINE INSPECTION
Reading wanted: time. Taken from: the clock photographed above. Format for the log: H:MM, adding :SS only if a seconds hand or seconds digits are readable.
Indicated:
3:48
